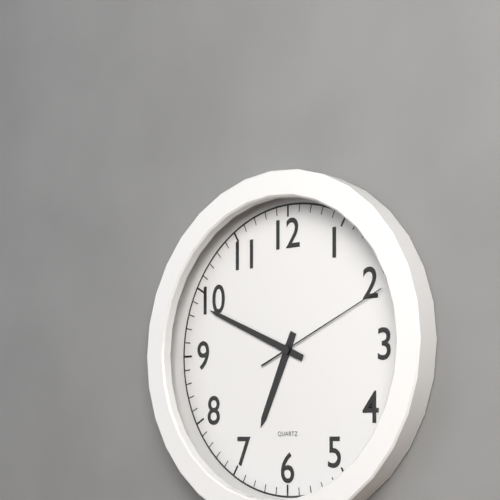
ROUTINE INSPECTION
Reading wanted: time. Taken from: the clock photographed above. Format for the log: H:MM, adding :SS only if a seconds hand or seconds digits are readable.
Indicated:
6:49:11
